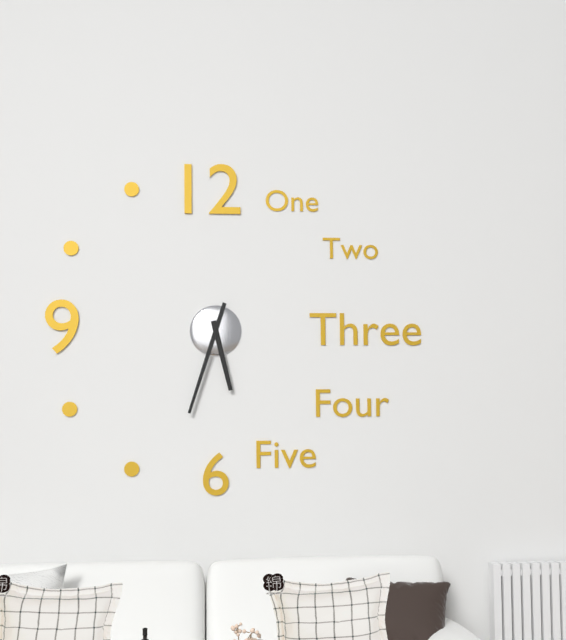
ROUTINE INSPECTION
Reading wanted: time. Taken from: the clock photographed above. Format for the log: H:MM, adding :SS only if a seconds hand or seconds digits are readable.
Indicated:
5:33
